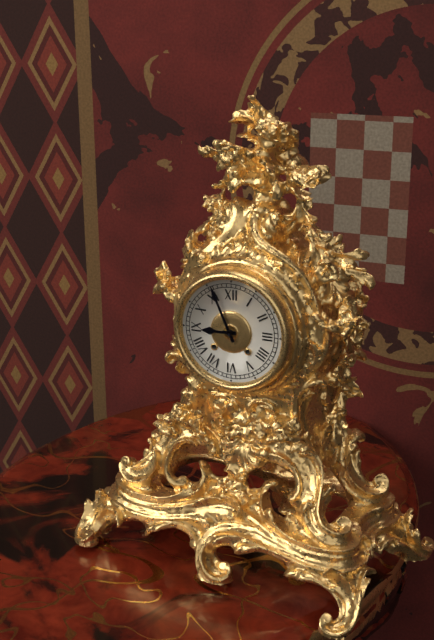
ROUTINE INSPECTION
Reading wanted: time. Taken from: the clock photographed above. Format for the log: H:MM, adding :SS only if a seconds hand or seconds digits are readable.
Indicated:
8:56
